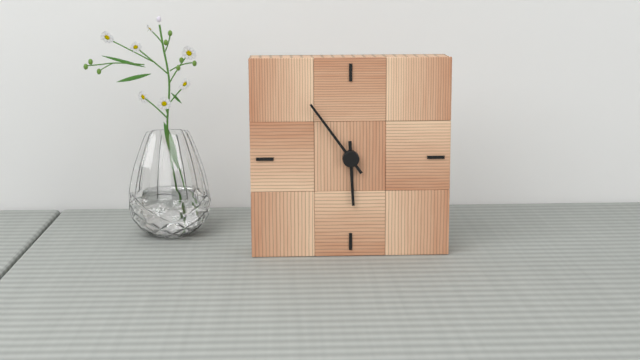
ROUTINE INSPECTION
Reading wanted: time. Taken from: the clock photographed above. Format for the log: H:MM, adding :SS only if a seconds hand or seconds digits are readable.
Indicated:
5:54
